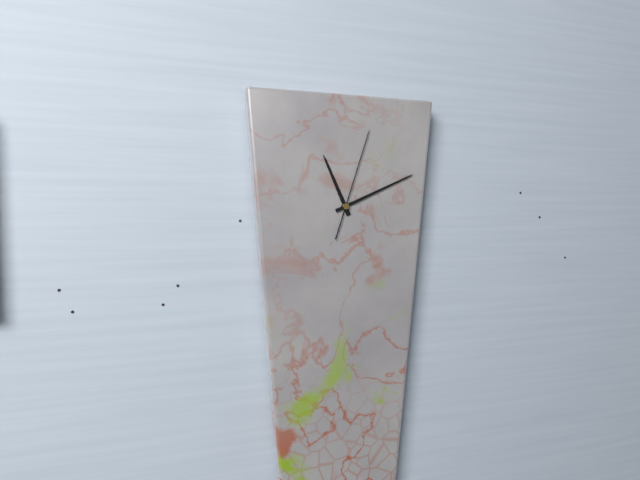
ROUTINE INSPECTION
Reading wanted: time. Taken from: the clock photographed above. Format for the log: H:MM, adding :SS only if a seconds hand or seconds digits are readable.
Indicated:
11:11:03
